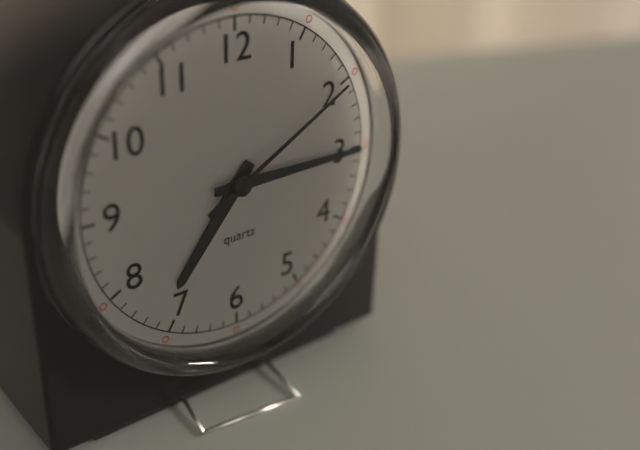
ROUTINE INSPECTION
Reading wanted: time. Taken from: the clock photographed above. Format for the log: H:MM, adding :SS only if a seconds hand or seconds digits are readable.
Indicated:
7:15:10
